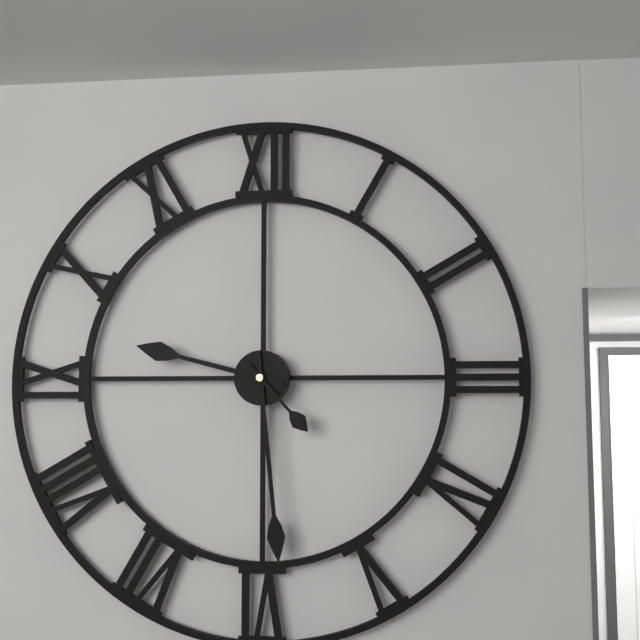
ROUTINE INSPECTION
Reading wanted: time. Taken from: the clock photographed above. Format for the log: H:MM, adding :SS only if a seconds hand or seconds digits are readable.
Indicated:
9:29:23
